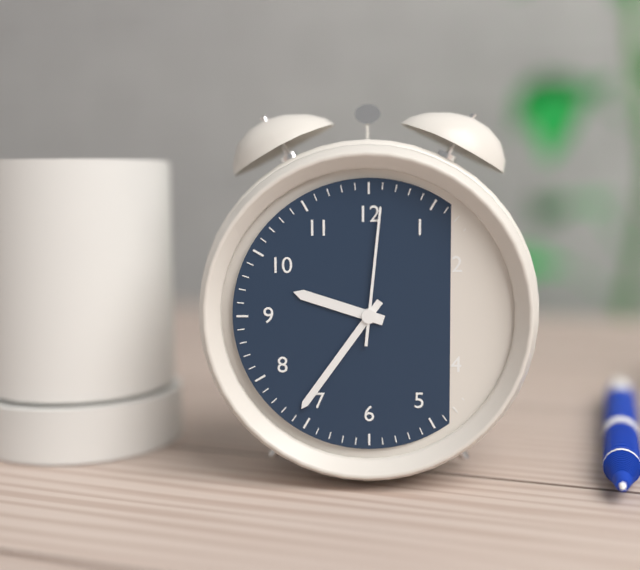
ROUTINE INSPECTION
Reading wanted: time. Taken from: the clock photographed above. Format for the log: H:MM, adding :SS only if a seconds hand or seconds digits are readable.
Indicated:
9:36:01
